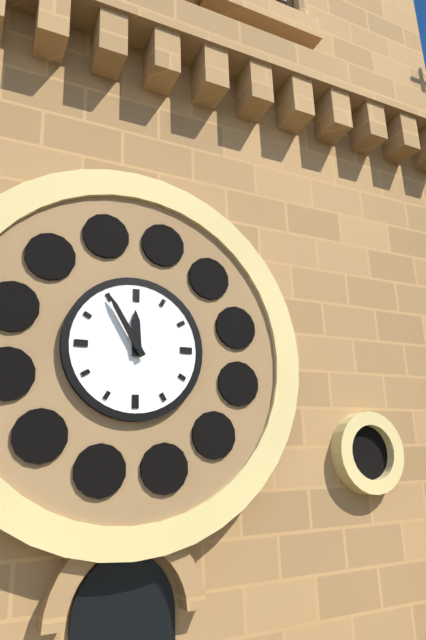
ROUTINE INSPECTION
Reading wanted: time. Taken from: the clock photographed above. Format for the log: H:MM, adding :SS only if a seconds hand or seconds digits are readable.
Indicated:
11:55
